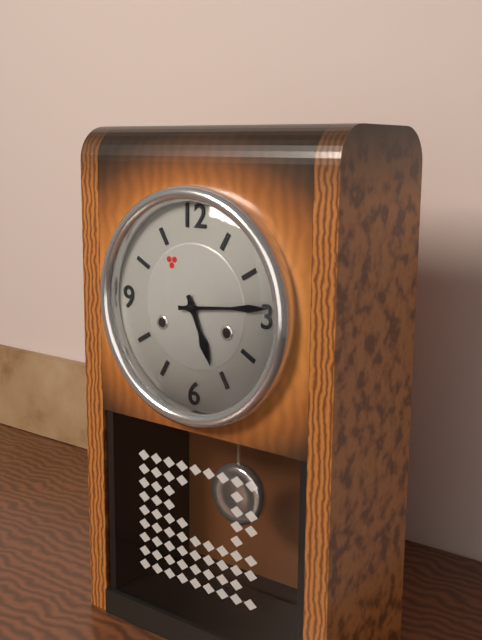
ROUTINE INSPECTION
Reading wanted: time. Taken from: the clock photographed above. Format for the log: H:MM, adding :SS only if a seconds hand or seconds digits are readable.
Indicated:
5:14
